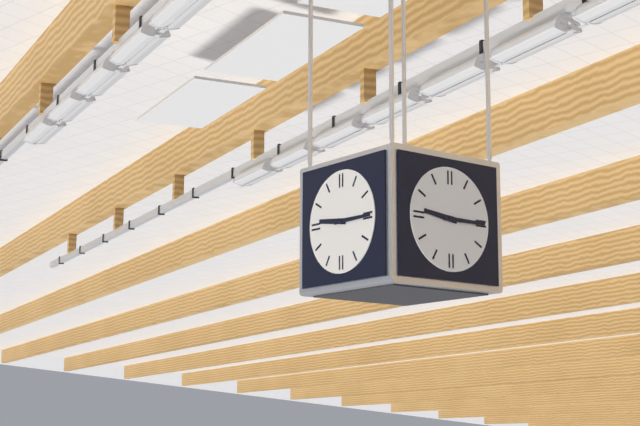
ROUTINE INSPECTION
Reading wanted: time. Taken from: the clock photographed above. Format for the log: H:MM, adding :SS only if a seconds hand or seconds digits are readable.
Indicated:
9:15
